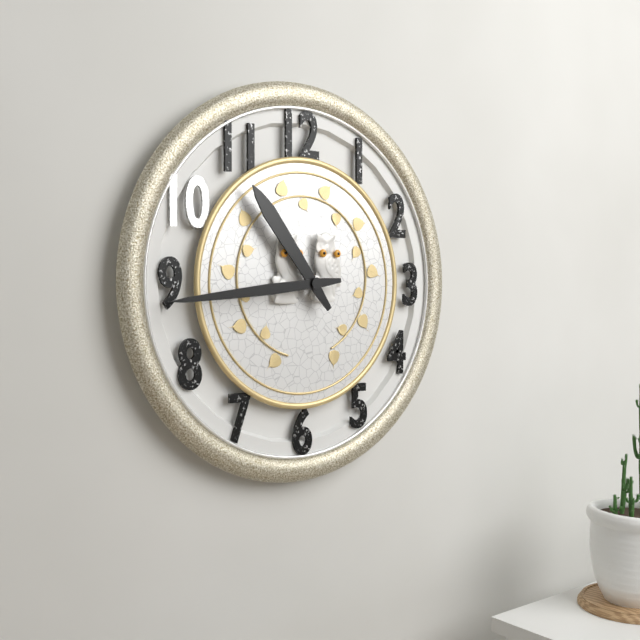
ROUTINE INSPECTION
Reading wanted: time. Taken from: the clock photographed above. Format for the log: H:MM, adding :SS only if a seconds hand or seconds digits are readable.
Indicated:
10:44
